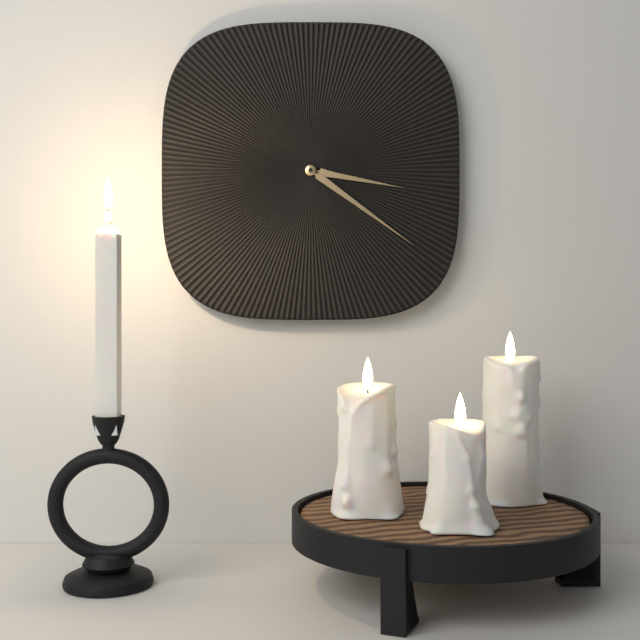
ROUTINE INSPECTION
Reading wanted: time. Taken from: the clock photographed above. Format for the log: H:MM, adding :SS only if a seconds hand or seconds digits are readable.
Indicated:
3:21
